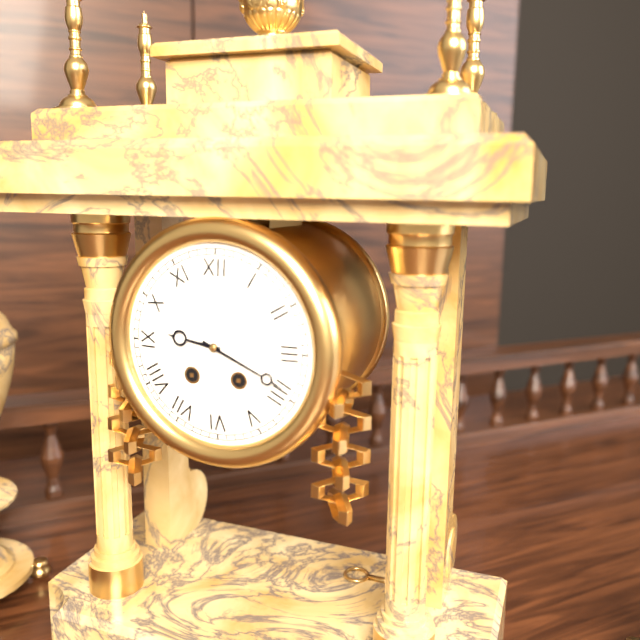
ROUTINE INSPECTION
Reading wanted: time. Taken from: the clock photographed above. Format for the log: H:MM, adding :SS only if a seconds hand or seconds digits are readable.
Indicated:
9:19
